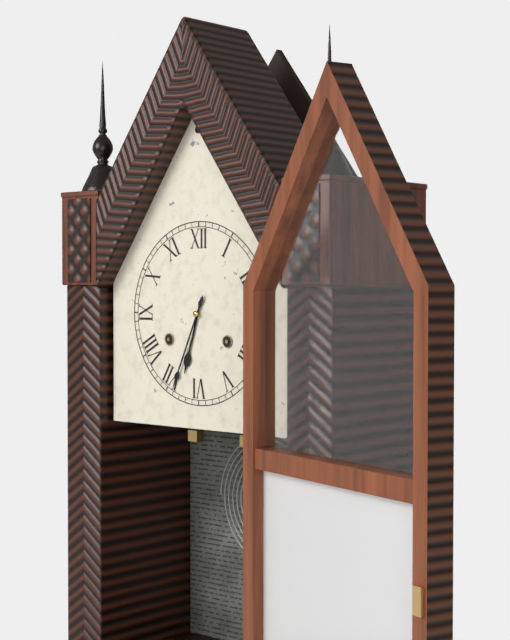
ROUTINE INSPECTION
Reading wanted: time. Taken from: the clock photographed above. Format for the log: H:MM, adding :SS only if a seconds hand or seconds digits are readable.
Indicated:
6:34
